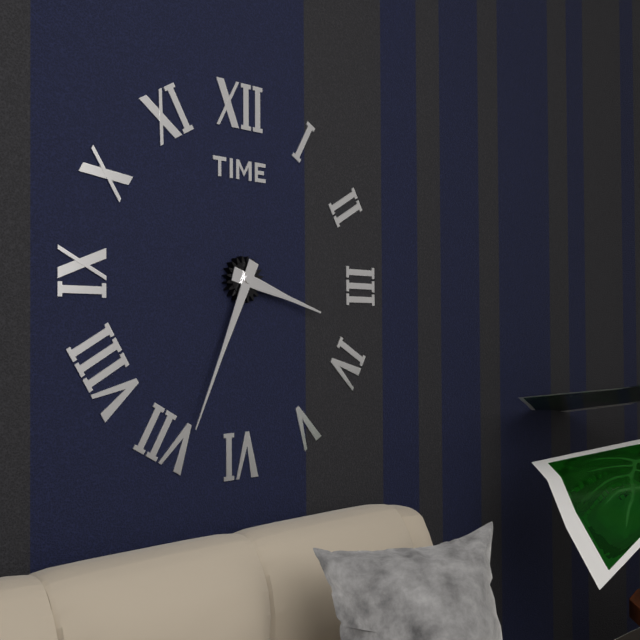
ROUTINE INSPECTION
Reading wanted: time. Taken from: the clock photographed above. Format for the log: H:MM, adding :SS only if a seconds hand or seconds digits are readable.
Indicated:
3:34
